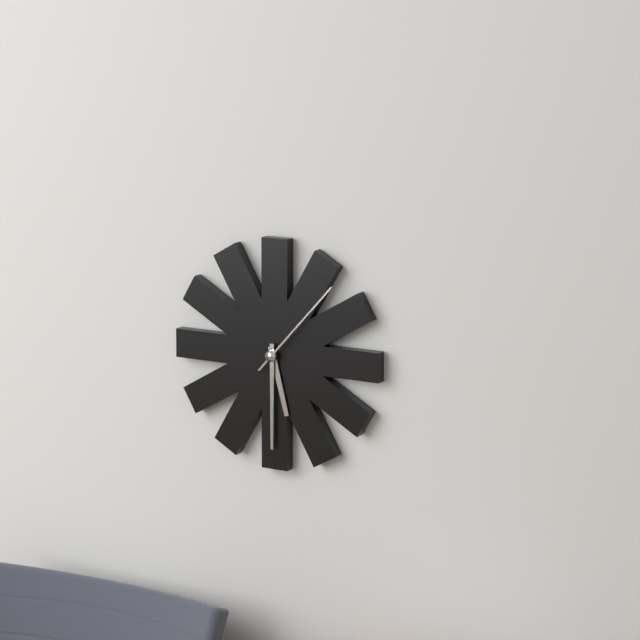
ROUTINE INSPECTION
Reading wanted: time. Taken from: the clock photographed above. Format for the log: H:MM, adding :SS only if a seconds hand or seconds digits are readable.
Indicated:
5:30:07
